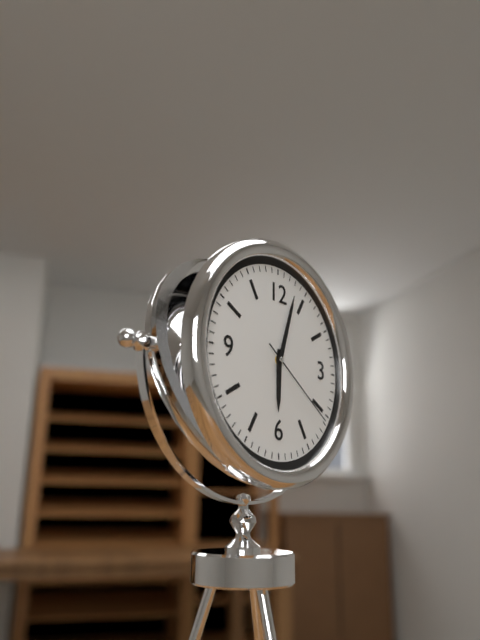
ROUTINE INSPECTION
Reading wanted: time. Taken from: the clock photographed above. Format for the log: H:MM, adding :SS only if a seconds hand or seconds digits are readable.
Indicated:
6:03:21
